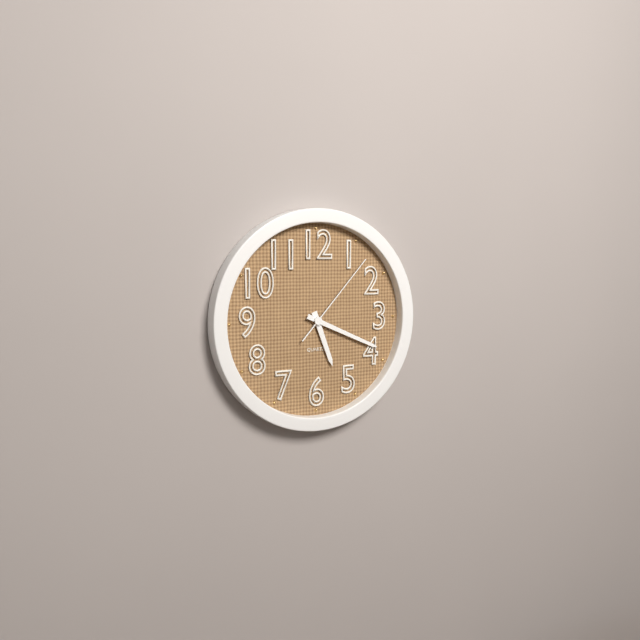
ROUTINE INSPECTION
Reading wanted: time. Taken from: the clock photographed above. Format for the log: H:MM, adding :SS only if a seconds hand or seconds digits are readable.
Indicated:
5:19:07
